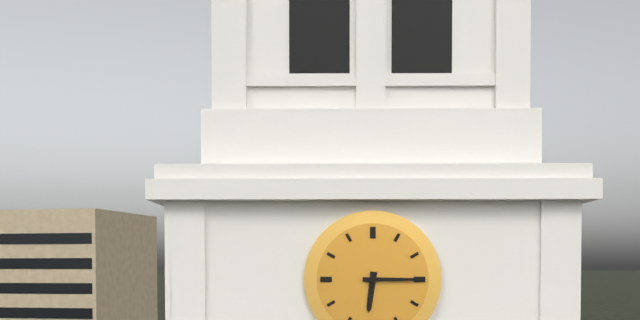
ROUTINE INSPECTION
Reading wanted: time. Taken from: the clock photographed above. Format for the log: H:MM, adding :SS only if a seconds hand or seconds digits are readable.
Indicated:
6:15
